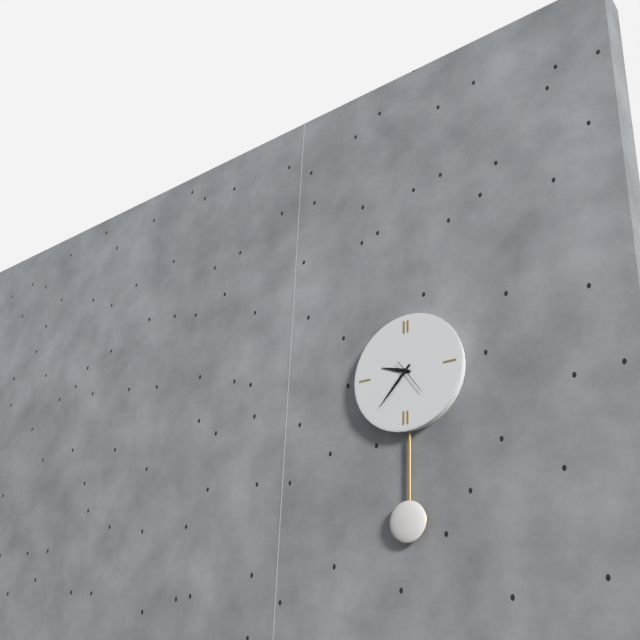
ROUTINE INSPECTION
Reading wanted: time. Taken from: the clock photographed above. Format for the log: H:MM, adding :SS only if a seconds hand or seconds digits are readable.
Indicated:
9:37
